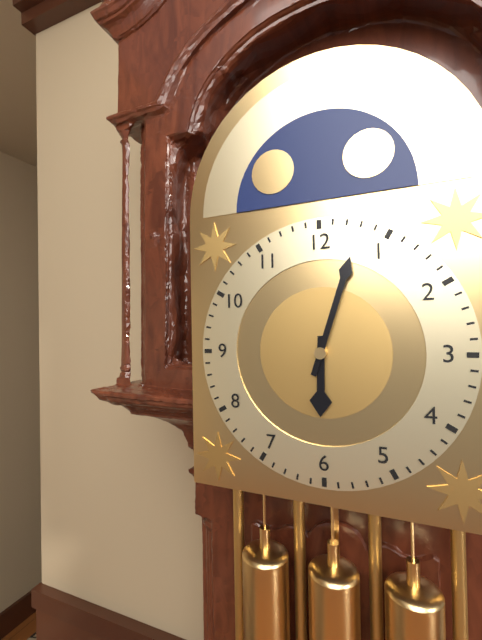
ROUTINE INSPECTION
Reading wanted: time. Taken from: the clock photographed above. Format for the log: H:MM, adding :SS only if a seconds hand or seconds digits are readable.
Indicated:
6:03
